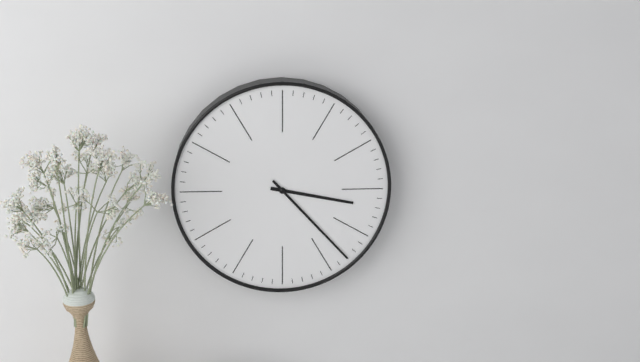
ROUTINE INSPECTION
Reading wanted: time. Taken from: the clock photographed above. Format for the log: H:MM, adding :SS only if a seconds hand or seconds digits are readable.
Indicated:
3:23
